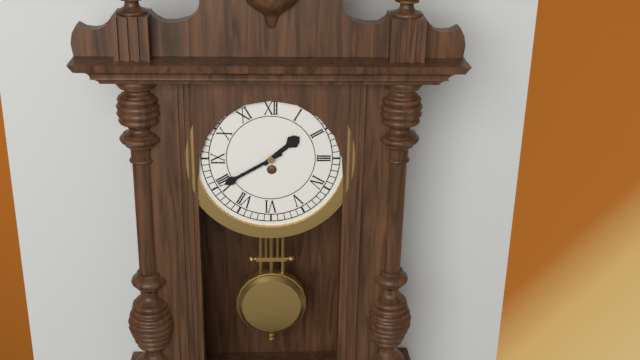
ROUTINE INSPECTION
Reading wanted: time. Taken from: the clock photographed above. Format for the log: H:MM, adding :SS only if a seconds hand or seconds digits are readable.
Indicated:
1:40
